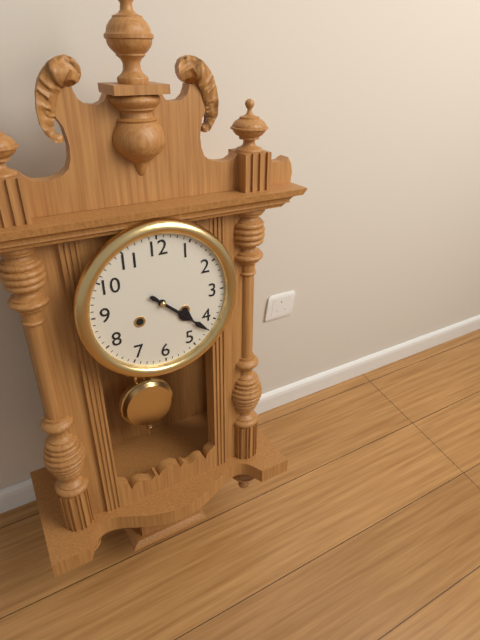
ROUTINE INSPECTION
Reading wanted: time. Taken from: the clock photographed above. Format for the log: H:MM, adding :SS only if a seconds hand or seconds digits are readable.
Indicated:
4:22
